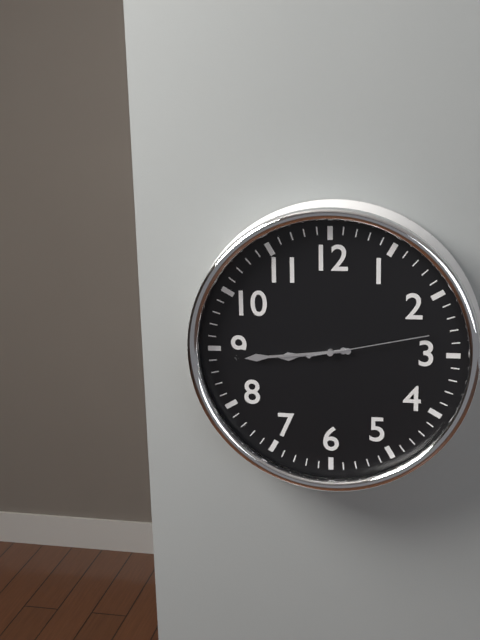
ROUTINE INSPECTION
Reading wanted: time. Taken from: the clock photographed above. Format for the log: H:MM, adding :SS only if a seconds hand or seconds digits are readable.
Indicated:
8:44:13
